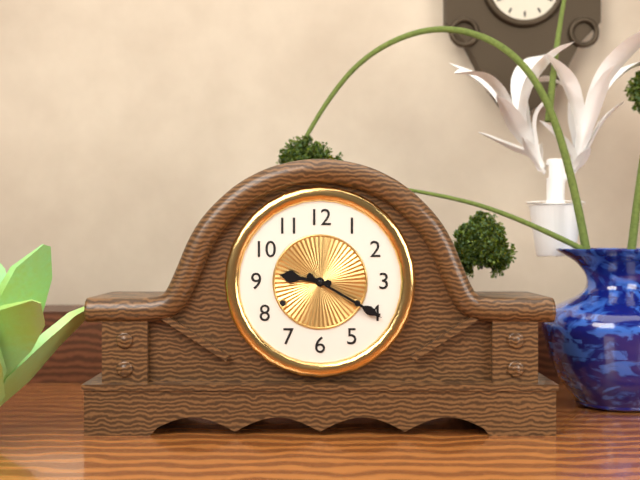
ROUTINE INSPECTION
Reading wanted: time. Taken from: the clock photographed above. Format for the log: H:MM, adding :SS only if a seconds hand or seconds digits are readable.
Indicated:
9:20
